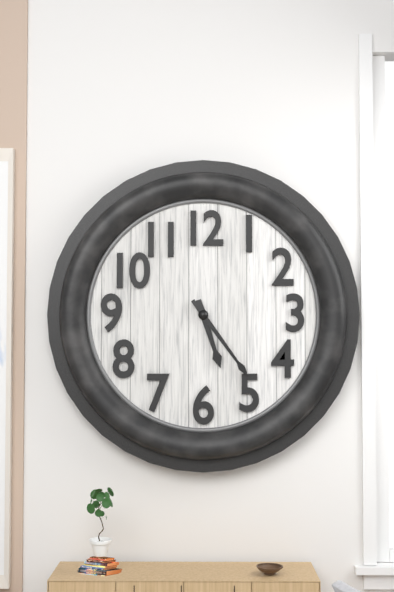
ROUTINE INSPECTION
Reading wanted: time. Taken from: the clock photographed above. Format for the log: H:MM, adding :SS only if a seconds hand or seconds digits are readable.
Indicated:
5:24
